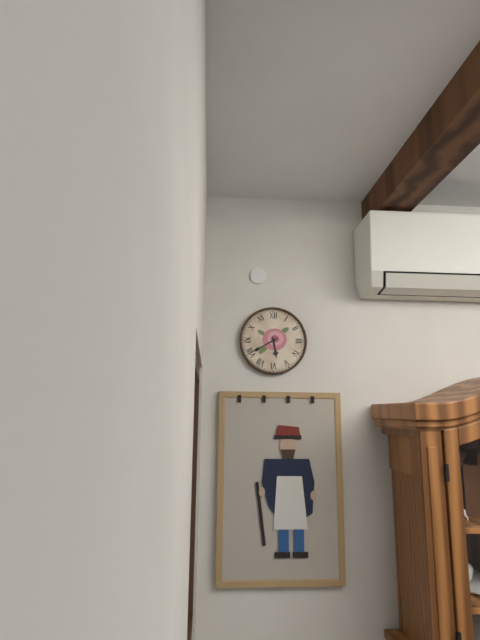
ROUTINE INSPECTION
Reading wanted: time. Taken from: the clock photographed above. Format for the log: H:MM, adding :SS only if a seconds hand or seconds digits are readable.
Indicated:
5:40
